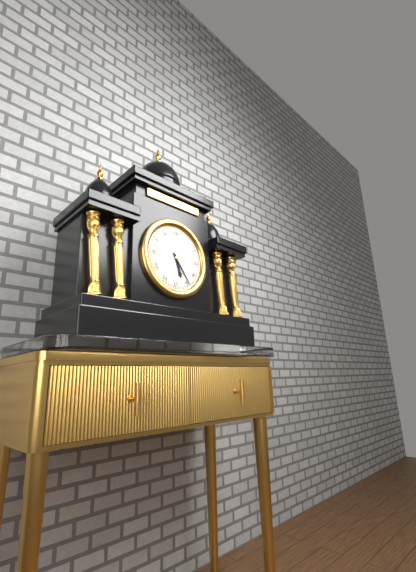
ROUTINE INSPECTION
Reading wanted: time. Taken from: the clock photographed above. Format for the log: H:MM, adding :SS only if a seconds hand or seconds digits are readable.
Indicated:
5:24
